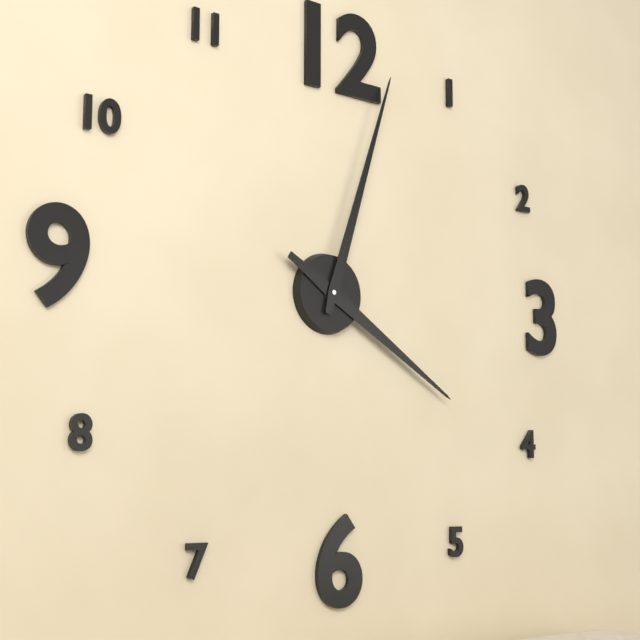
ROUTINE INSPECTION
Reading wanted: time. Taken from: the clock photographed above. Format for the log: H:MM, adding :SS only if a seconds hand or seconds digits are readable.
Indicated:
4:03
